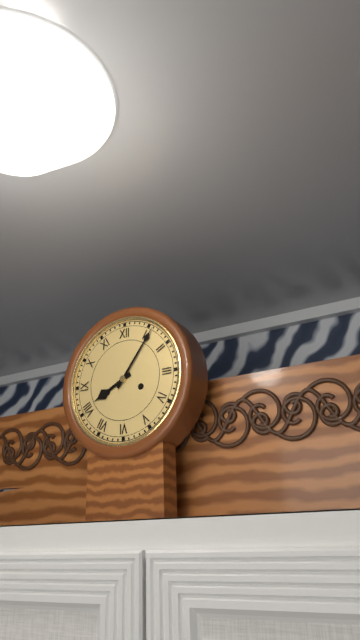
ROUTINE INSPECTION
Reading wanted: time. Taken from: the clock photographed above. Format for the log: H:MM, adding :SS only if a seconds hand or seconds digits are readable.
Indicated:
8:06
